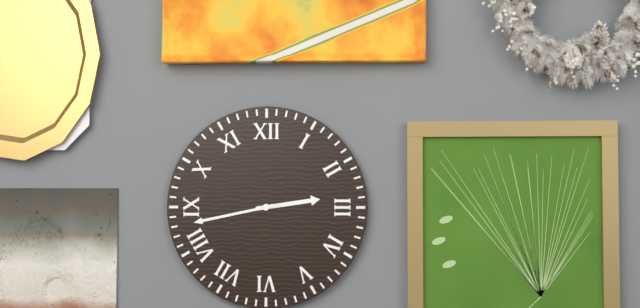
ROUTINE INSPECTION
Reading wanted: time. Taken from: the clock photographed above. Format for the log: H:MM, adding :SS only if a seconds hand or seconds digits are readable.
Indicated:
2:43
